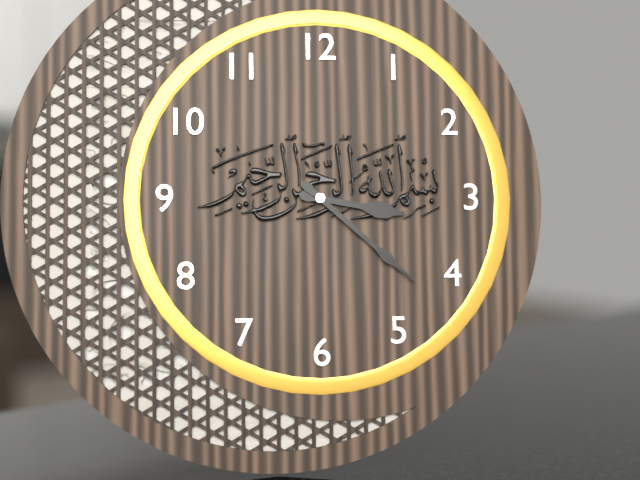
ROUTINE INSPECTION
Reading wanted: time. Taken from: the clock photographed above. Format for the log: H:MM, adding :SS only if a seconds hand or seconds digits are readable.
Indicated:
3:22
